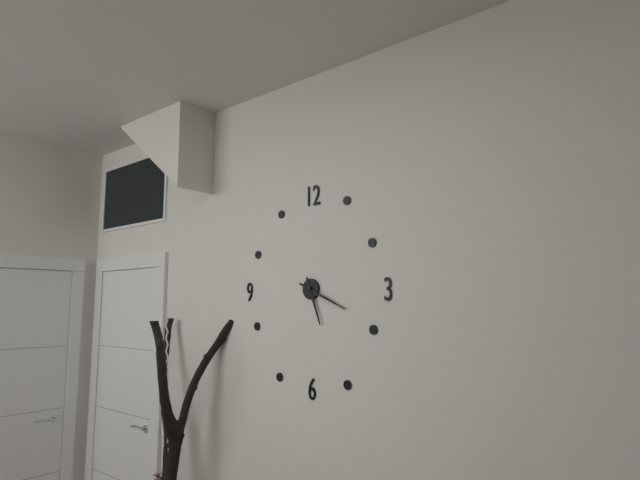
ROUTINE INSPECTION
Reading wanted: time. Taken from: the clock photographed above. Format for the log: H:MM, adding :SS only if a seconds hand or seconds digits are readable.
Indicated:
5:19
